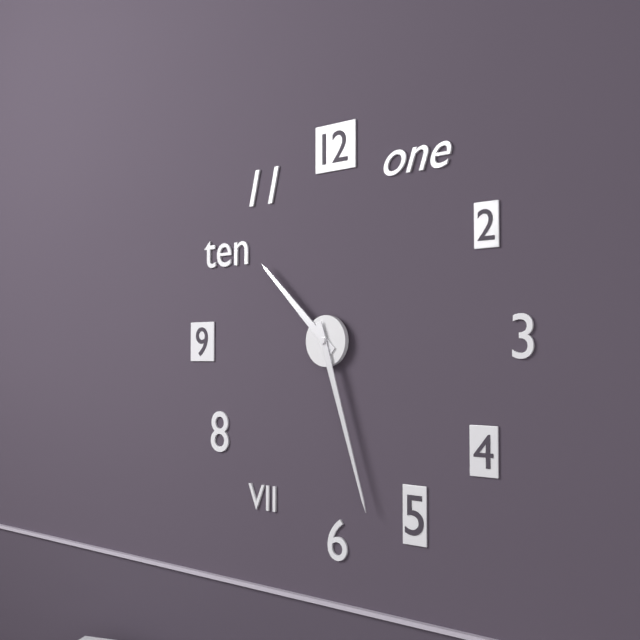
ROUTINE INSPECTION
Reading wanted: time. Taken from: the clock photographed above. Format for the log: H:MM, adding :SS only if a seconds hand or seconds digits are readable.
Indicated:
10:27
